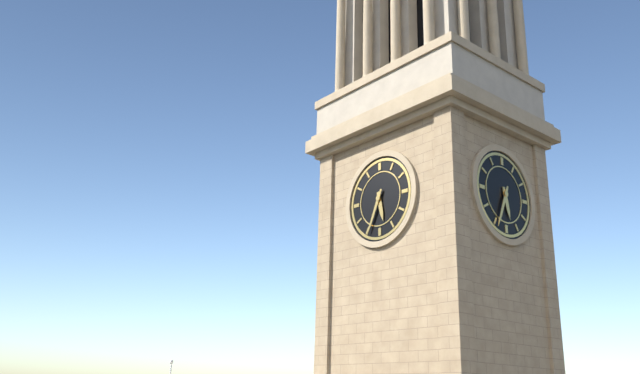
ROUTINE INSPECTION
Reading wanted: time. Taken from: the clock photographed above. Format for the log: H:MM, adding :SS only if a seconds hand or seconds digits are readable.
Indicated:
5:34
